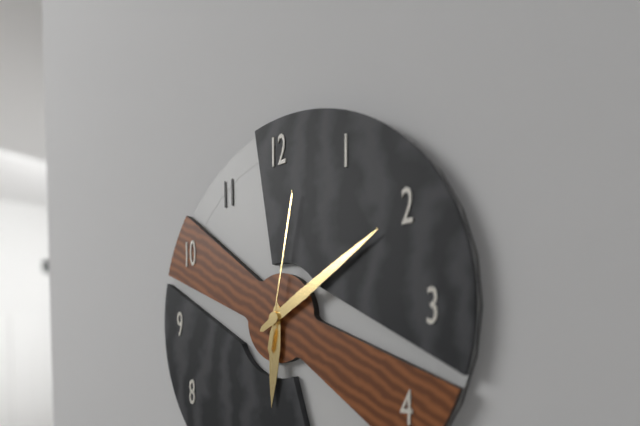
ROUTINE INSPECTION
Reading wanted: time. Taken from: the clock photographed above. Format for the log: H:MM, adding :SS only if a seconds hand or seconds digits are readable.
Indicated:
6:10:02
